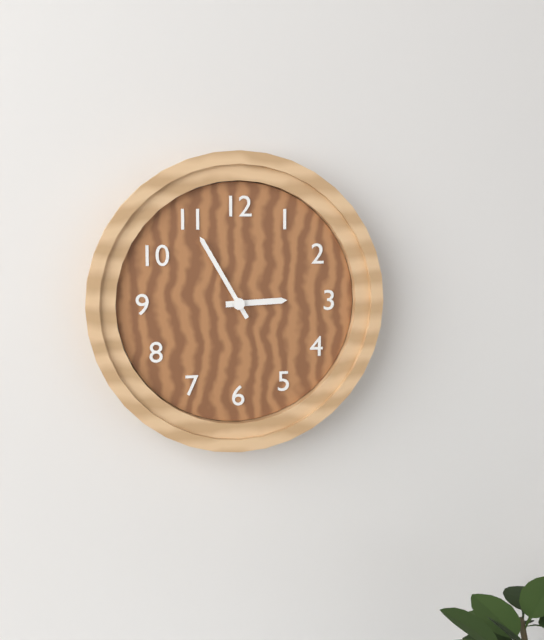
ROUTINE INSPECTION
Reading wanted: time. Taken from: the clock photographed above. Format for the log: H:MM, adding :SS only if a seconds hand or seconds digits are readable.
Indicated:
2:55
